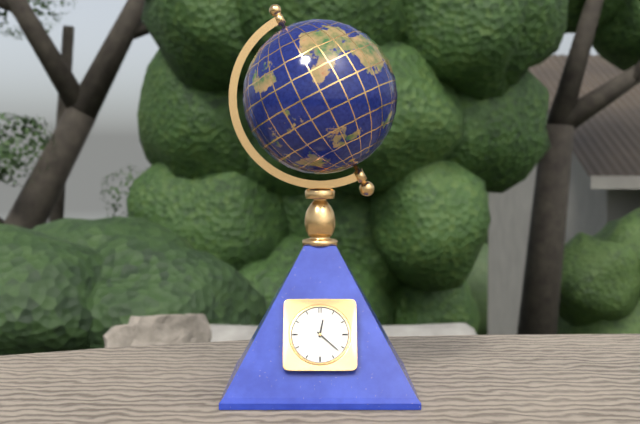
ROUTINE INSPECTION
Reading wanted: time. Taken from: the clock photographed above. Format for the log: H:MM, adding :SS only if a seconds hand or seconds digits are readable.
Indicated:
12:22
